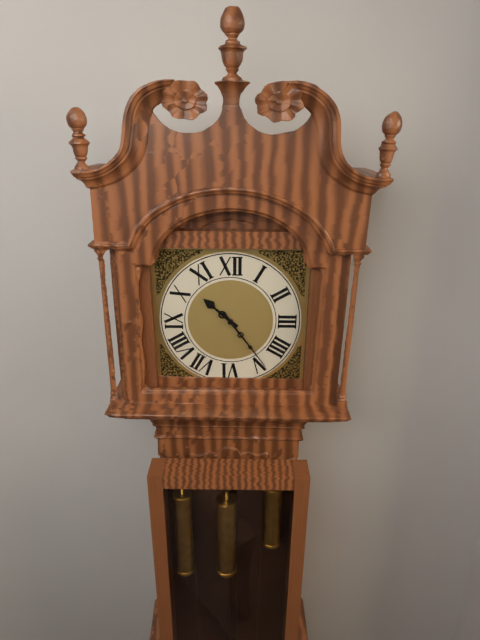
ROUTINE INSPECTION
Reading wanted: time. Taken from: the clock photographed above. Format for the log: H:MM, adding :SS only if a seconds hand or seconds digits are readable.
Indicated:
10:24
